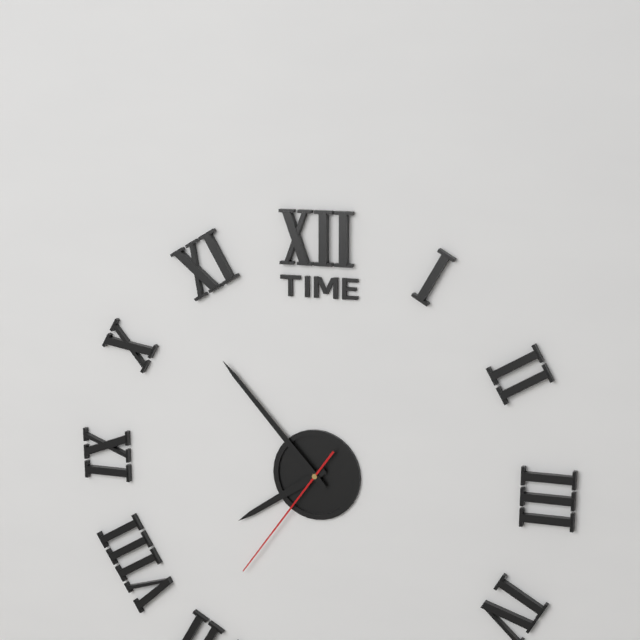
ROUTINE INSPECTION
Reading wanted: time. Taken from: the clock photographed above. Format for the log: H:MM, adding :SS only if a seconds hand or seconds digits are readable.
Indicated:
7:53:36
